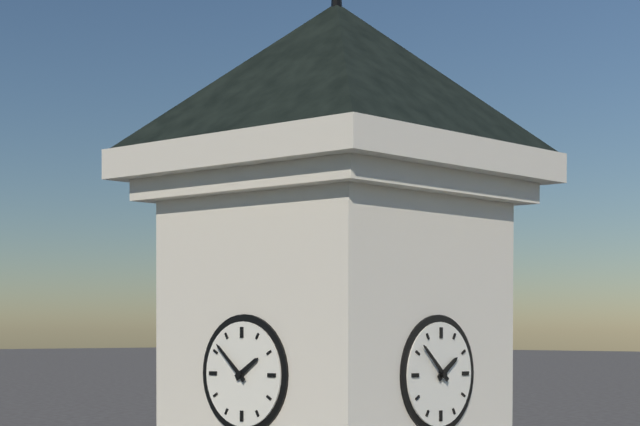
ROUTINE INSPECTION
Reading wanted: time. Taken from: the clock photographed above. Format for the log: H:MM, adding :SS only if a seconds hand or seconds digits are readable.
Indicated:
1:52
